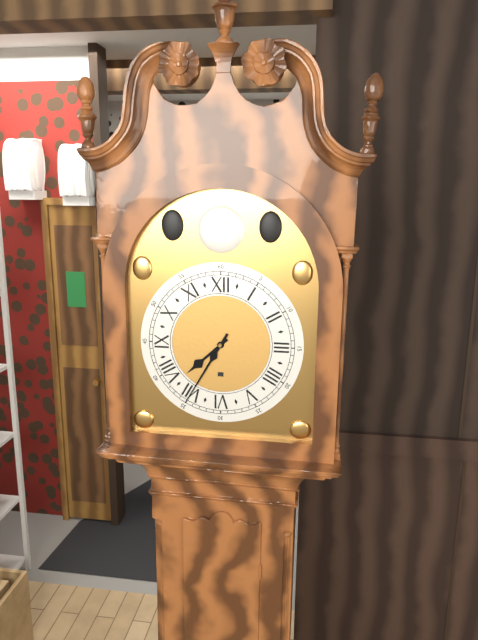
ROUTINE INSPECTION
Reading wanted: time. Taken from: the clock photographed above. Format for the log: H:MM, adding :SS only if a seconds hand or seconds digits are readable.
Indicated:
7:35
